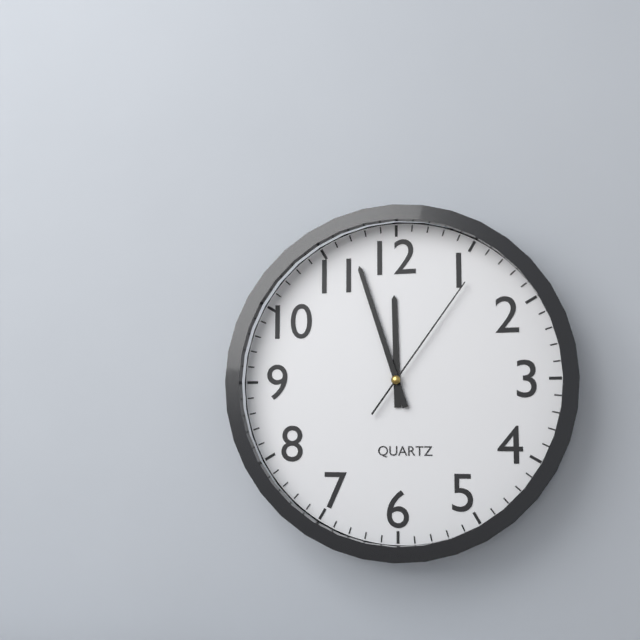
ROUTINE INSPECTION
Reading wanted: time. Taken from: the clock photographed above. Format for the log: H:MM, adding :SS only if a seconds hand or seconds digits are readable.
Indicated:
11:57:06
